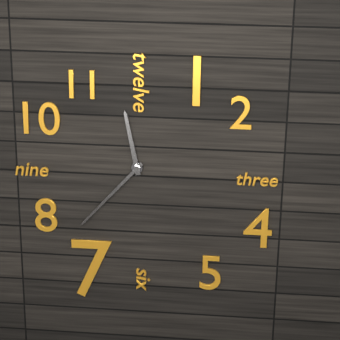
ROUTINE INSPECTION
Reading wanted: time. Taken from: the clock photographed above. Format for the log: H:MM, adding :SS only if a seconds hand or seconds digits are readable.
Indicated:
11:37
